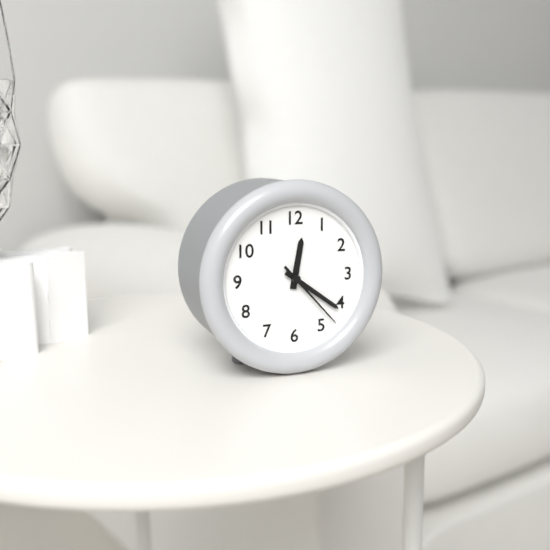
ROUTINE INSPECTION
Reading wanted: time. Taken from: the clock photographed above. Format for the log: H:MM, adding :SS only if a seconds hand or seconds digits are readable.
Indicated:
12:21:23
